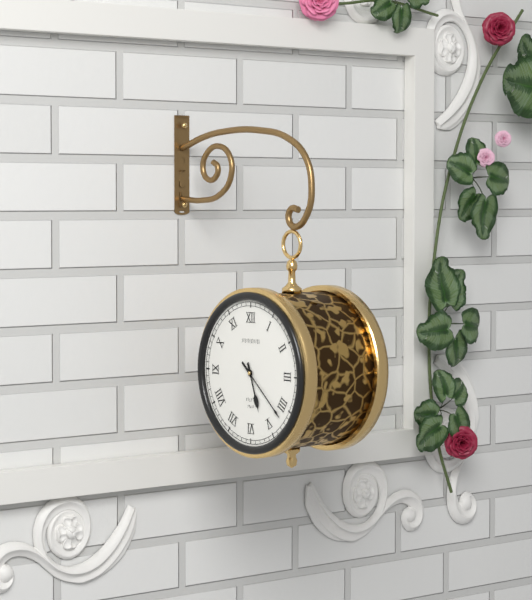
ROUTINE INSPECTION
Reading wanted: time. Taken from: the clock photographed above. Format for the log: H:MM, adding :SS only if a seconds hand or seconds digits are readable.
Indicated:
5:22
